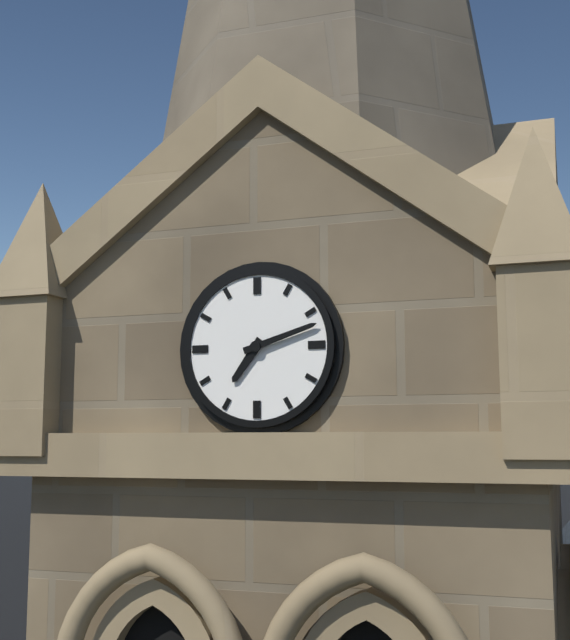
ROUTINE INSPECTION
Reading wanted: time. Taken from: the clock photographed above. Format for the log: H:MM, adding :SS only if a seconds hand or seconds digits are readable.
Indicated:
7:12
